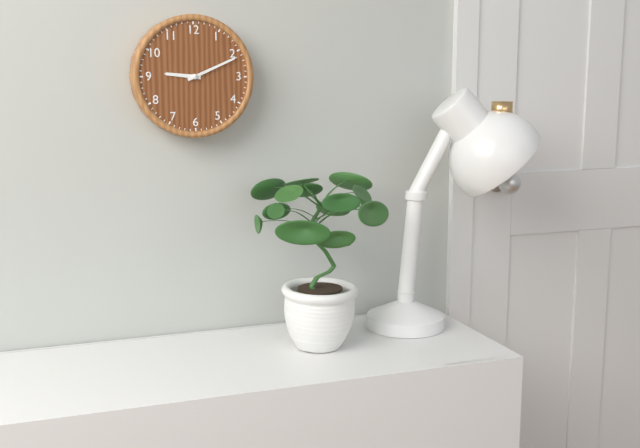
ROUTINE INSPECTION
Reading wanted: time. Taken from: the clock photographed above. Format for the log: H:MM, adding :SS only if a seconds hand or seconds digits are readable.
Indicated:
9:11
